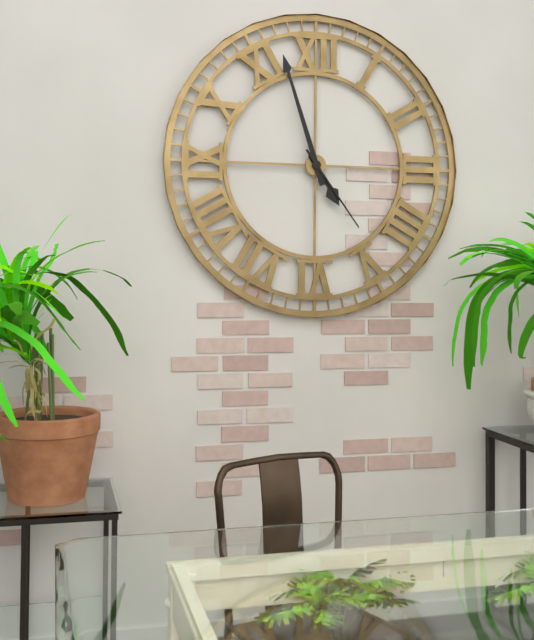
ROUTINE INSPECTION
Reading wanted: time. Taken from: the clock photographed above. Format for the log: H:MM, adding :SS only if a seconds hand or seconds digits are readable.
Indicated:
4:57:24
